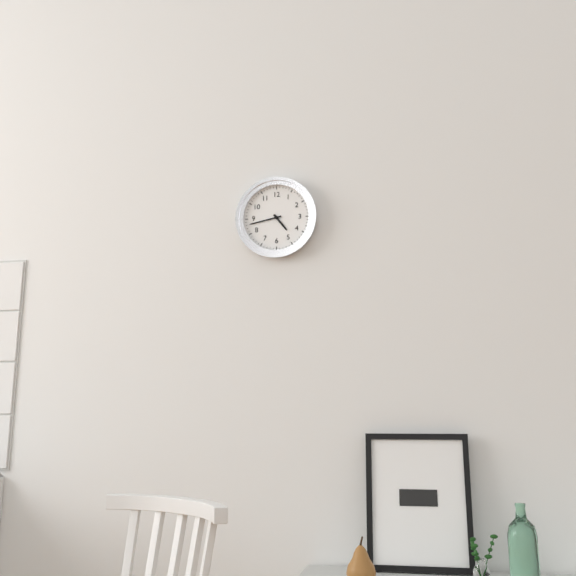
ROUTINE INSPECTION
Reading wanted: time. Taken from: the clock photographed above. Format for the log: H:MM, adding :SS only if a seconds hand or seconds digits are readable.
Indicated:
4:43
